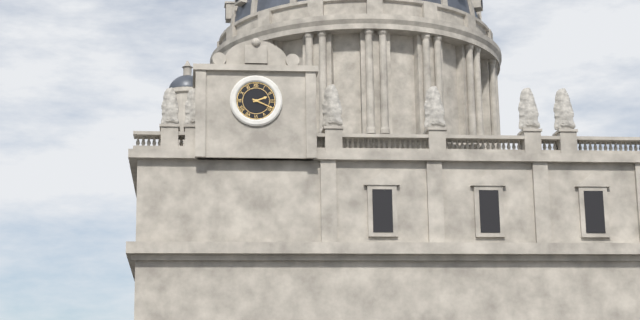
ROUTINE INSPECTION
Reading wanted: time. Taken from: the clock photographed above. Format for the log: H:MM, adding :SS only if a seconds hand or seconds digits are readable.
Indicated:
2:19
